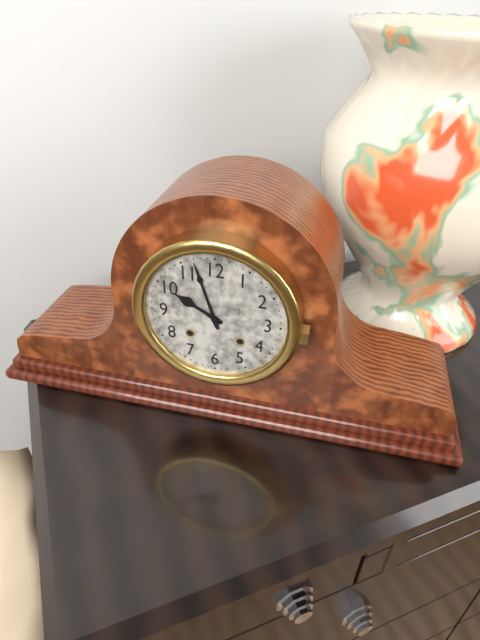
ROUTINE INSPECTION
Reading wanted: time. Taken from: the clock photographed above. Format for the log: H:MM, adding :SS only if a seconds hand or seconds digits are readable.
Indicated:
9:57
